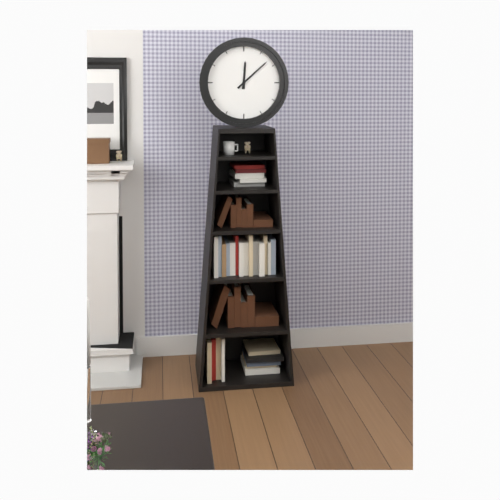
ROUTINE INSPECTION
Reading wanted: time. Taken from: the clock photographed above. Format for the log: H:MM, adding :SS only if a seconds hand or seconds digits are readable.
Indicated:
12:08
